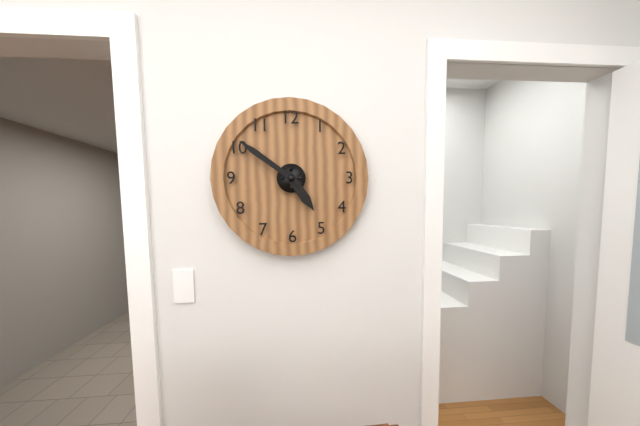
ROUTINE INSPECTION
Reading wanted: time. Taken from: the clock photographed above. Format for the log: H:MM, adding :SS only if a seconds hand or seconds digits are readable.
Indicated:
4:51
